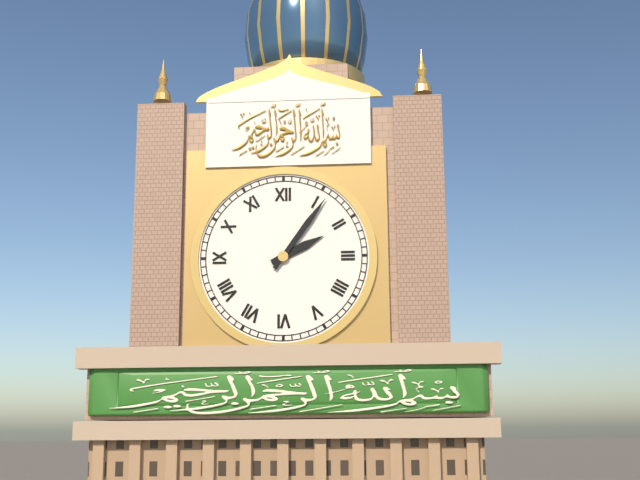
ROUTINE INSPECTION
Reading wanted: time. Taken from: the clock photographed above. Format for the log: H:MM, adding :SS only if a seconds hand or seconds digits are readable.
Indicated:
2:06
